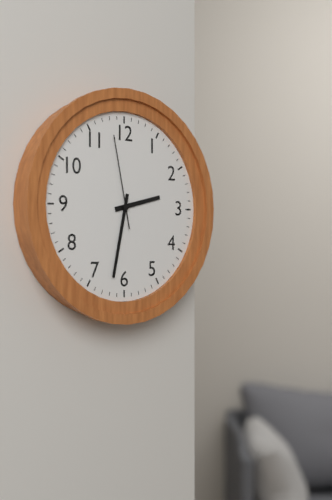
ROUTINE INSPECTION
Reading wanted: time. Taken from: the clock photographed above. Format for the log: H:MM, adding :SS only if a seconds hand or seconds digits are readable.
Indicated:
2:32:58
